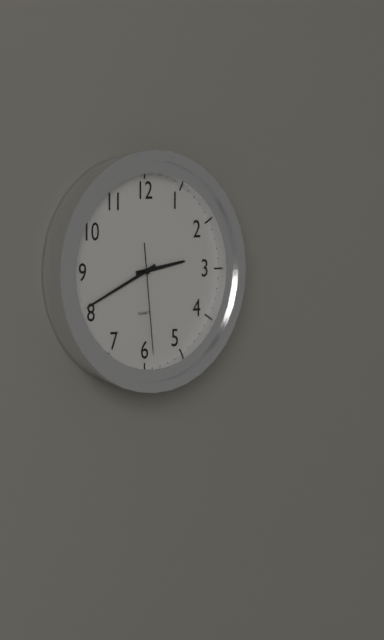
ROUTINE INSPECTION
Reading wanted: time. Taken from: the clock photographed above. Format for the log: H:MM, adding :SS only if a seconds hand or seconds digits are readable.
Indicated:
2:41:29
